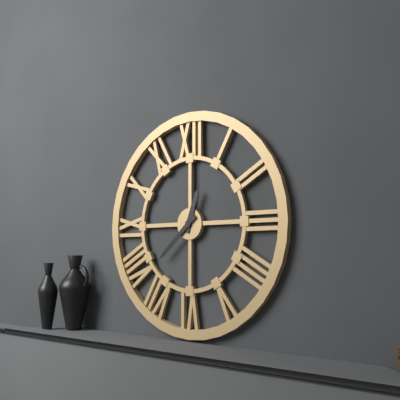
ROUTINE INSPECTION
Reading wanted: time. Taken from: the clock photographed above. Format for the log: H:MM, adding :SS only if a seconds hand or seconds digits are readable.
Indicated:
12:38
